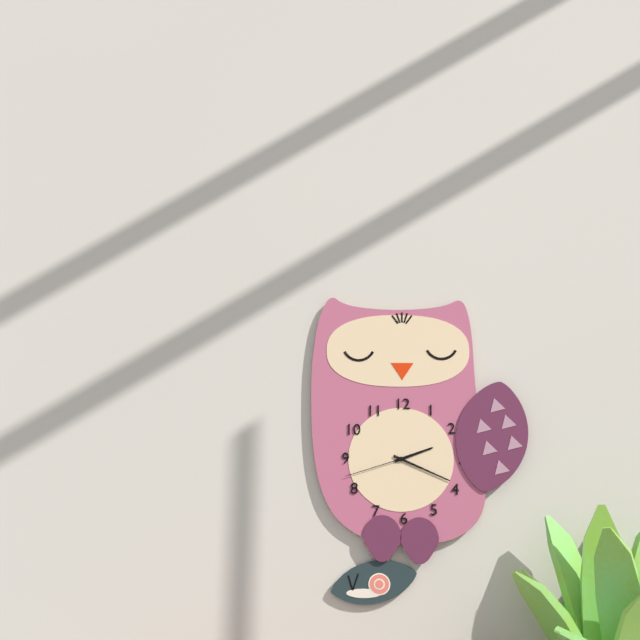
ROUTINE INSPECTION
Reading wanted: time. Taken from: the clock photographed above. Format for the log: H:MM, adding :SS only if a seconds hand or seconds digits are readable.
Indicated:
2:19:42
